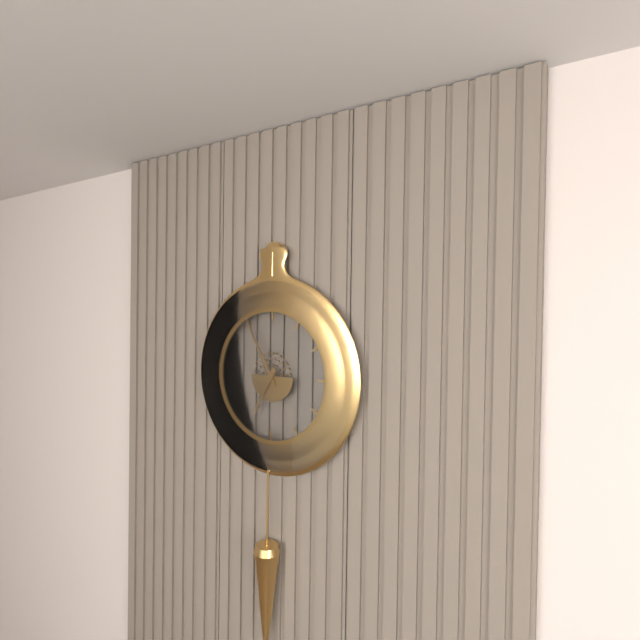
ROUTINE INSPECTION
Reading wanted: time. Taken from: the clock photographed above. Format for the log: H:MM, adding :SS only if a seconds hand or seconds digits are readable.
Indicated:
6:55
